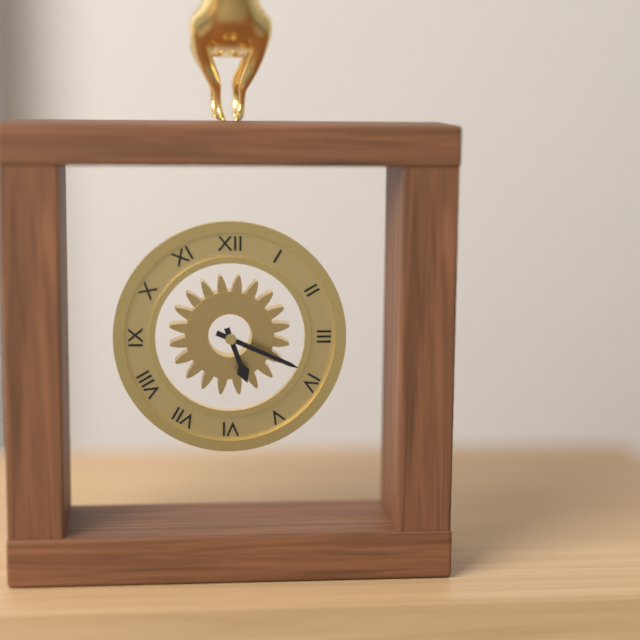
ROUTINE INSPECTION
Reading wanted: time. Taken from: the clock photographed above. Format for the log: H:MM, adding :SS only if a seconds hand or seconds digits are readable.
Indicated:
5:19
